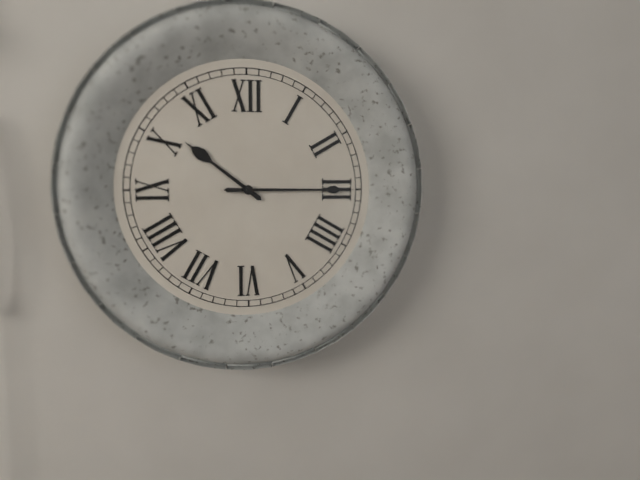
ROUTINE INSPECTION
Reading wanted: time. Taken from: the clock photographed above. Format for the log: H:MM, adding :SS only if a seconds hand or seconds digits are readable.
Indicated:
10:15
